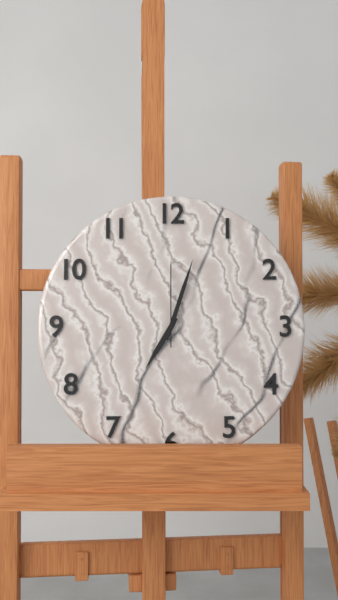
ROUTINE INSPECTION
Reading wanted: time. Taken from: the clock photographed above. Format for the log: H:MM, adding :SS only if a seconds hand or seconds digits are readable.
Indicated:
7:03:00
